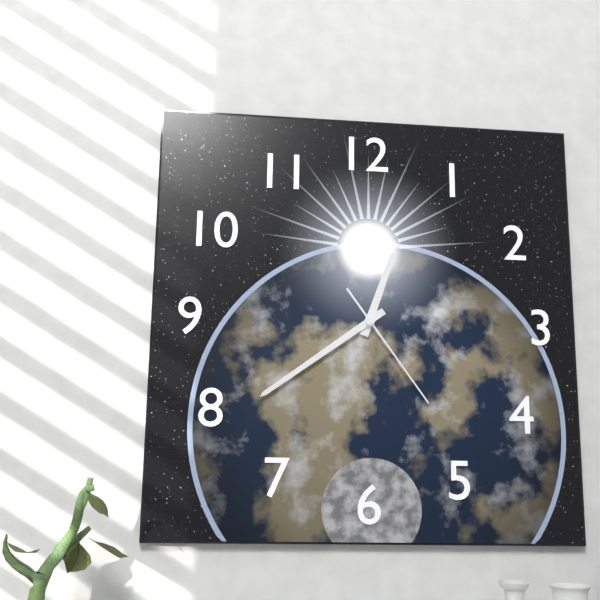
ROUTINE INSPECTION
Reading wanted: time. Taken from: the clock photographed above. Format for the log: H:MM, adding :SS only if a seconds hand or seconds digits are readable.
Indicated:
12:39:24
